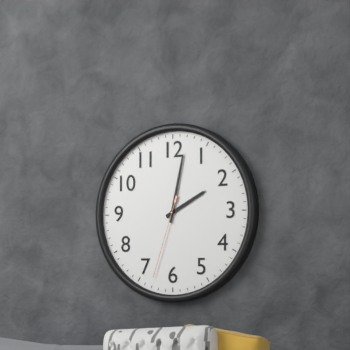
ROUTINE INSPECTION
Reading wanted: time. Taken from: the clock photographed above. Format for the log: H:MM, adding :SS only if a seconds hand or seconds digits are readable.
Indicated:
2:02:33
